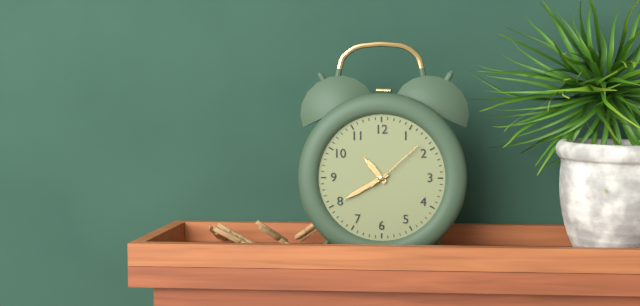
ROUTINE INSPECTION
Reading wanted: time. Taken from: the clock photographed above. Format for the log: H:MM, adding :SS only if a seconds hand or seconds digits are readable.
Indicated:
10:40:08
